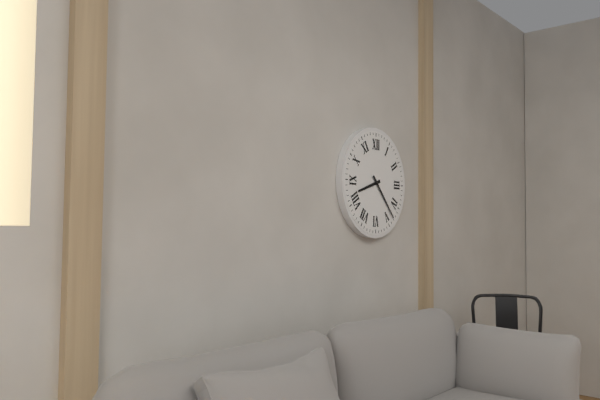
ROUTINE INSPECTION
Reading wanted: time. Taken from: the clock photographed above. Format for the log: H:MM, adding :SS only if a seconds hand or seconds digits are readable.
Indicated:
8:23
